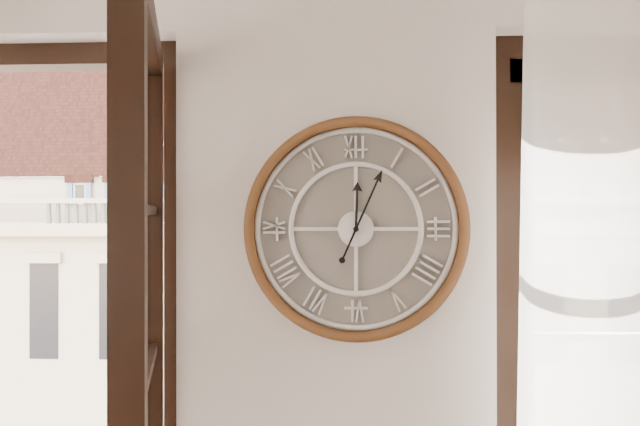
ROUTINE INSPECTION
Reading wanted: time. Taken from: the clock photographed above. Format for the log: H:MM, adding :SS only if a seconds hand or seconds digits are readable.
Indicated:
12:04
